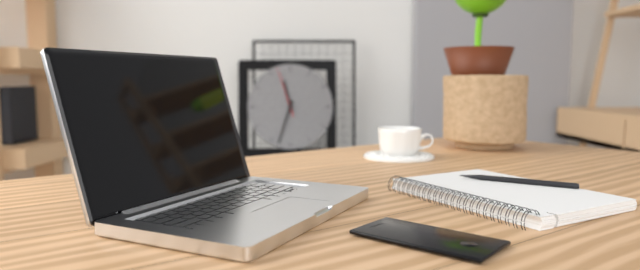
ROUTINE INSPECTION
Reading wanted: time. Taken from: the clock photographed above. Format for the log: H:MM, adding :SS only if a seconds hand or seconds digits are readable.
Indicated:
11:33:57
